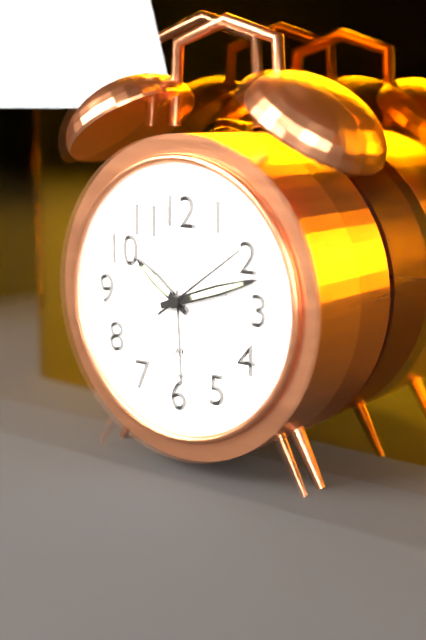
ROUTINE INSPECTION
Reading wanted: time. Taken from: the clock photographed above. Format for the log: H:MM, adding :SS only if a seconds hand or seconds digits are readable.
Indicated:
10:12:09
